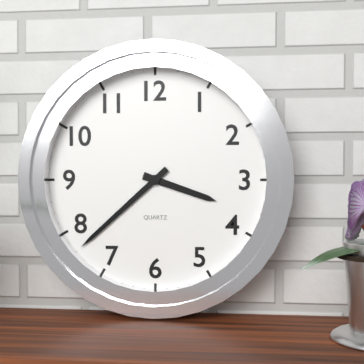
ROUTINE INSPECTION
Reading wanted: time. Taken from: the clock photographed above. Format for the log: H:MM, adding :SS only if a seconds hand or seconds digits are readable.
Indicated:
3:38
